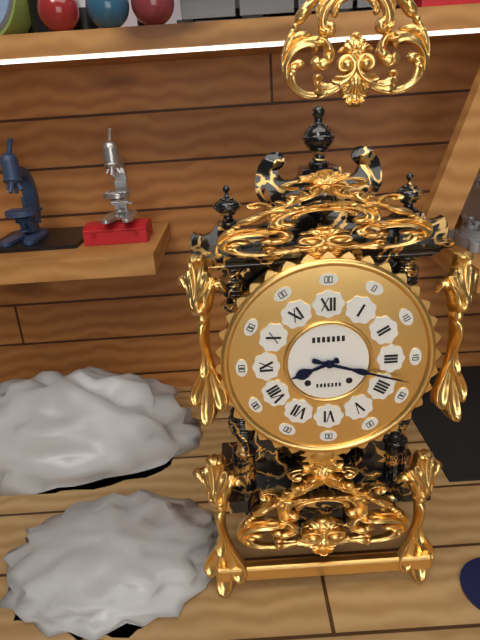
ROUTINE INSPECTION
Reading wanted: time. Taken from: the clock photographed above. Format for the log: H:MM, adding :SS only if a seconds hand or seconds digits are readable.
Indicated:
8:18
